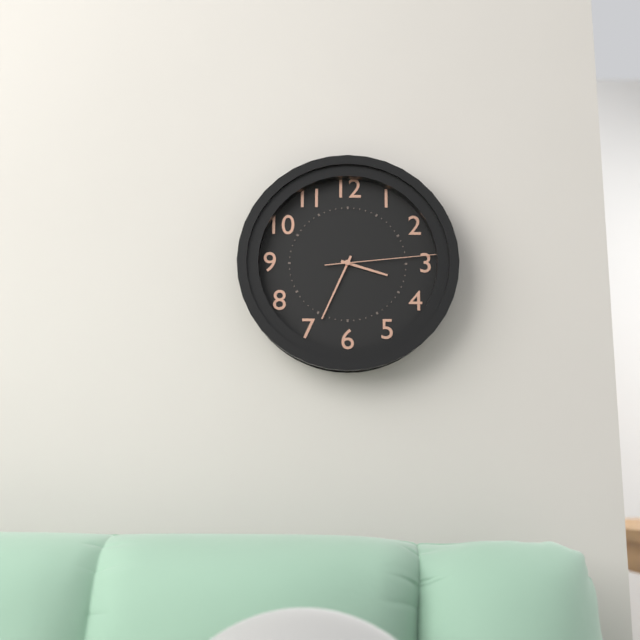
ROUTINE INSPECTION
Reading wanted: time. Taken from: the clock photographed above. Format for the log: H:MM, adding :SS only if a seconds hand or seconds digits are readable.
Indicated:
3:34:14
